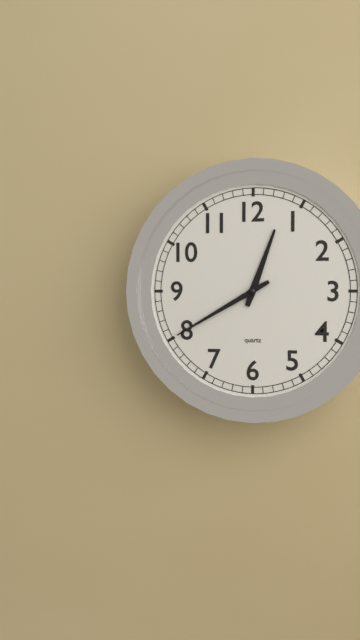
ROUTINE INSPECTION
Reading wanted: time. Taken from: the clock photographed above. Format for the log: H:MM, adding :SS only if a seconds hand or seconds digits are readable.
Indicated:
12:40
